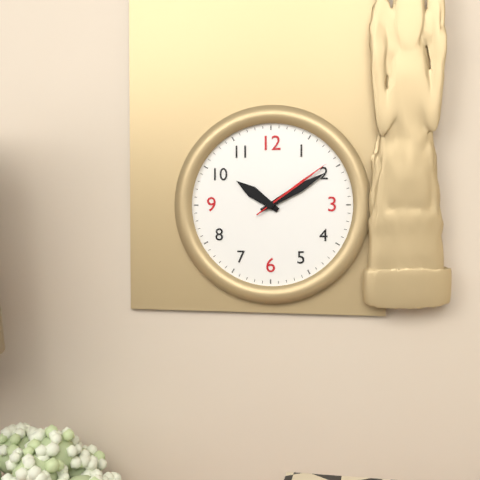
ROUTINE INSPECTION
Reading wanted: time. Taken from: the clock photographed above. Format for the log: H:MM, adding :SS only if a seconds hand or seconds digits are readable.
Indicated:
10:10:09
